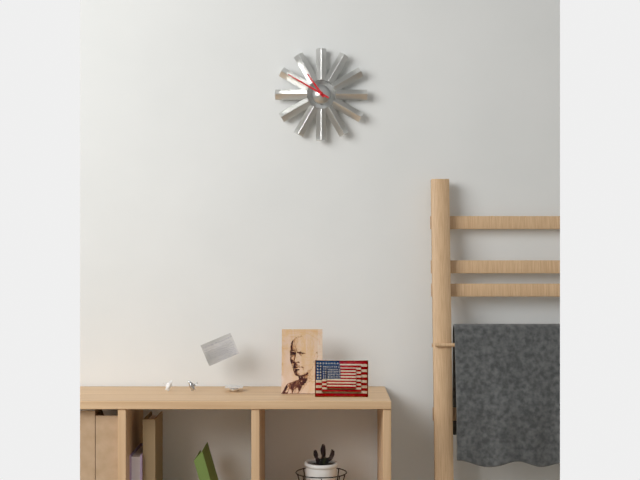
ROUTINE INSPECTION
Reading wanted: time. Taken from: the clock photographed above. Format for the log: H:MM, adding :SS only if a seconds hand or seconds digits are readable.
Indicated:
10:50
